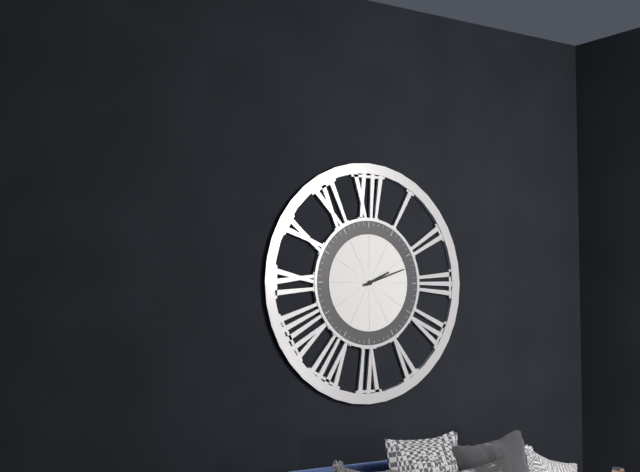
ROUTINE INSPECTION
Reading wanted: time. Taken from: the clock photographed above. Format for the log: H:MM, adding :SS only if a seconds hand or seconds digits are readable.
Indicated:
2:12
